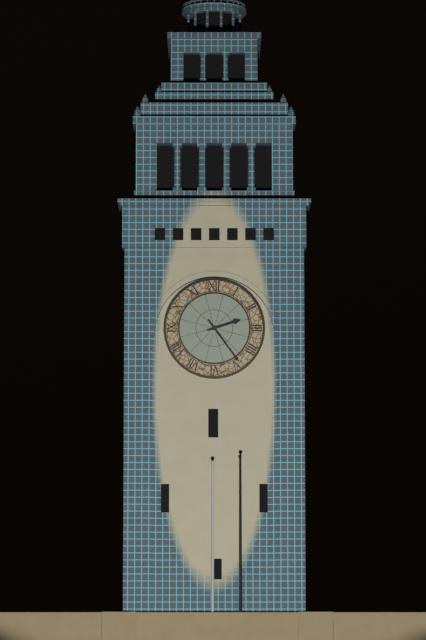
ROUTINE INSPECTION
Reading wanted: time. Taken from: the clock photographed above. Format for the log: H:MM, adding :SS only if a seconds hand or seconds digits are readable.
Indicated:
2:24
